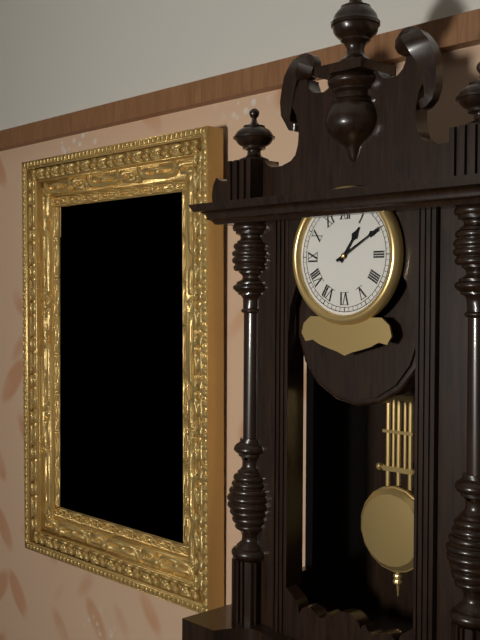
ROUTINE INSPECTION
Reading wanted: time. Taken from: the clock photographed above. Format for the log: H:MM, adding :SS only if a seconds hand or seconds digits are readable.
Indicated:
1:10
